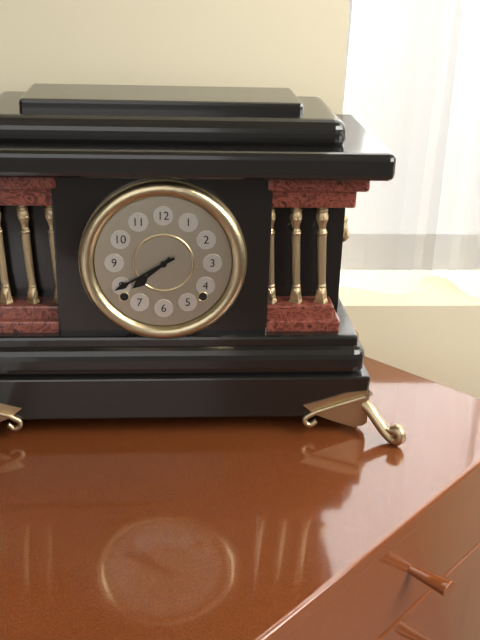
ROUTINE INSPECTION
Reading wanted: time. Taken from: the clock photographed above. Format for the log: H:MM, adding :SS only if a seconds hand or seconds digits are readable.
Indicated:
7:40
